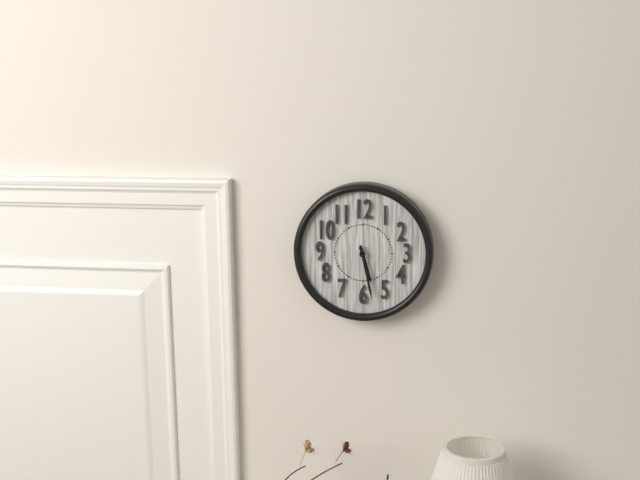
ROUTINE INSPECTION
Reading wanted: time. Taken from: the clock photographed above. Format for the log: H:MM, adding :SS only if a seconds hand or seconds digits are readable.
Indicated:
5:28
